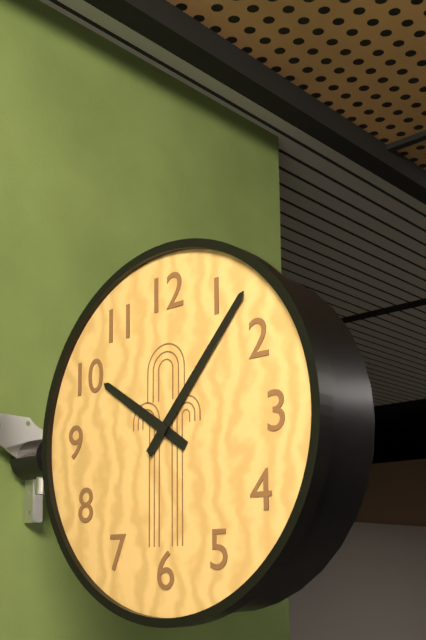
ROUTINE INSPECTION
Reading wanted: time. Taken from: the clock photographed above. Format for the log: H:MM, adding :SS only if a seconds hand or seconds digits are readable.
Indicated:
10:07
